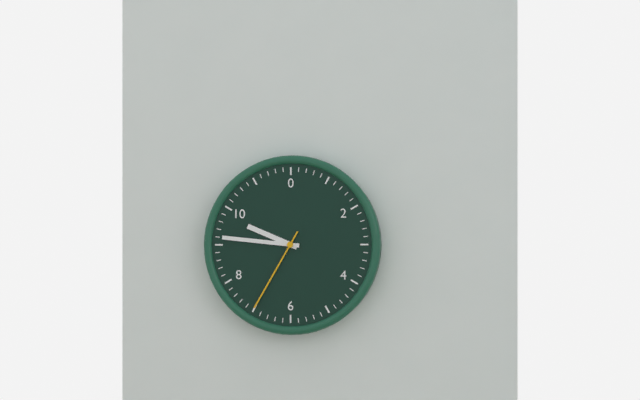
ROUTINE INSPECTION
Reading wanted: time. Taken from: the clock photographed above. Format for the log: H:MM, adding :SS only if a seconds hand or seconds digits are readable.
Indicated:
9:46:35
